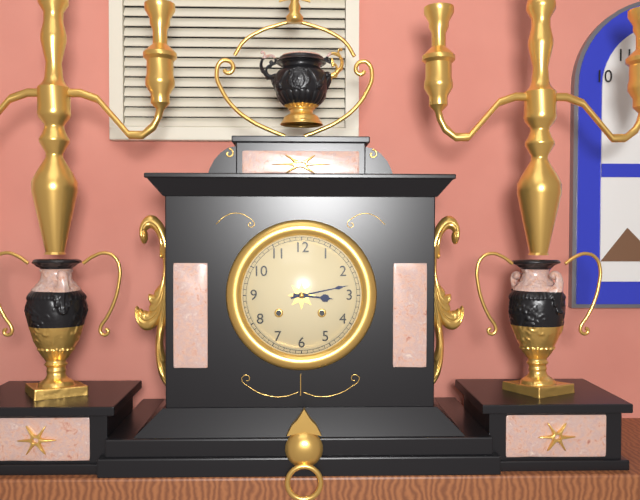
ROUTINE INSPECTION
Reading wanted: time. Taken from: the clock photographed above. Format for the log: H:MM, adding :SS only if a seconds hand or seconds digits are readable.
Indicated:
3:13
